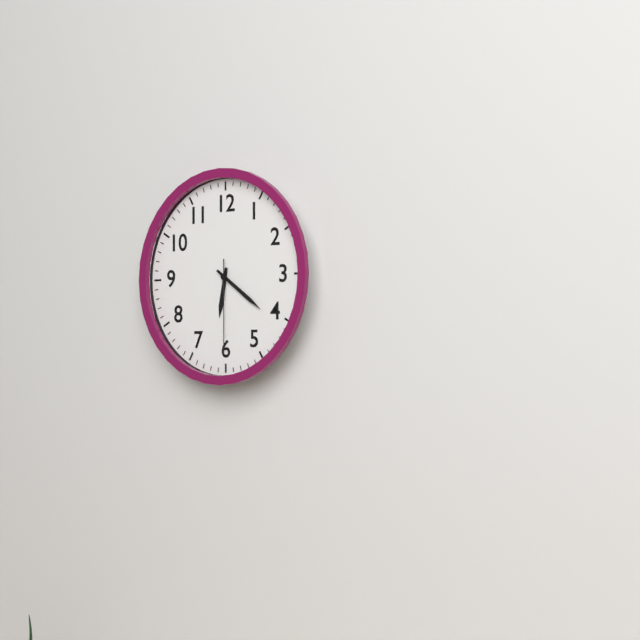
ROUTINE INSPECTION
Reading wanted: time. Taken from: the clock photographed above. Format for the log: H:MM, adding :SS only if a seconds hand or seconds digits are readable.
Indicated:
6:21:30
